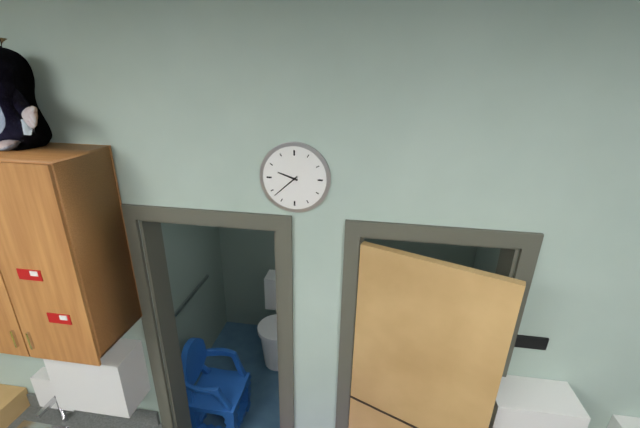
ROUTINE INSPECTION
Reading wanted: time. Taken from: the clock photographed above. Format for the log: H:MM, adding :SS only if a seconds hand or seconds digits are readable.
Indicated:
9:38
